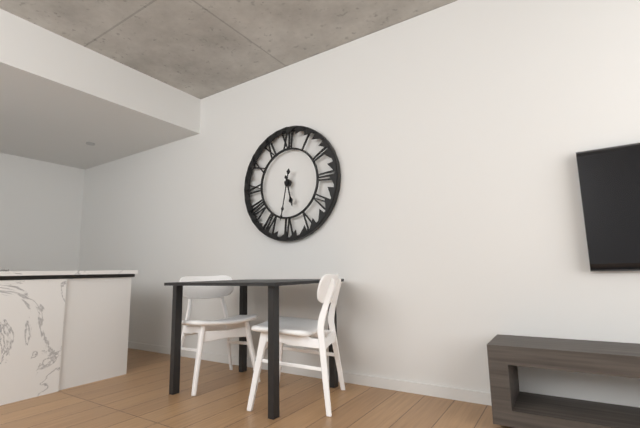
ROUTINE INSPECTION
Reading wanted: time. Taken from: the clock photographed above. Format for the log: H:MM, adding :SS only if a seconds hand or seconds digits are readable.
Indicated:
5:32
